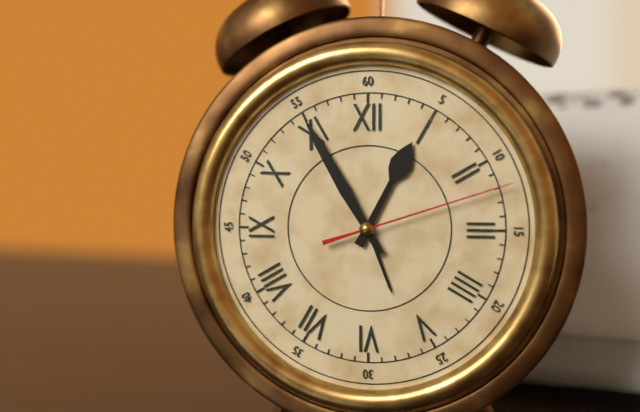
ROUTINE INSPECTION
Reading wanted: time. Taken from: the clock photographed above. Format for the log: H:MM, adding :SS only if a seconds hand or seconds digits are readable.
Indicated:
12:55:12
